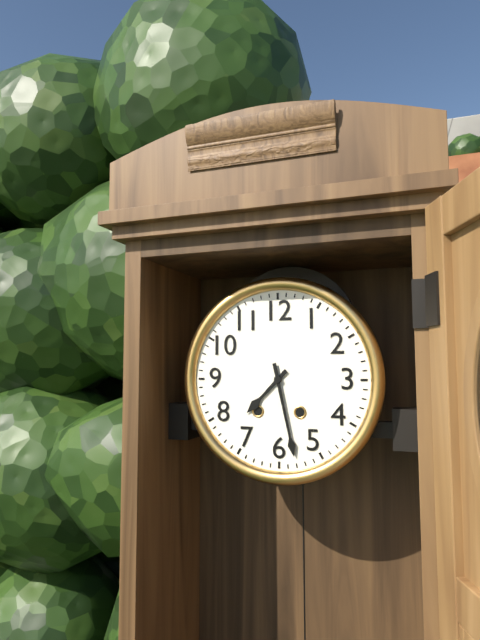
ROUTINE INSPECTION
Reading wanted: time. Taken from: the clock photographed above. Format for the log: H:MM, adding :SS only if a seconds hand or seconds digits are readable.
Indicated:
7:28
